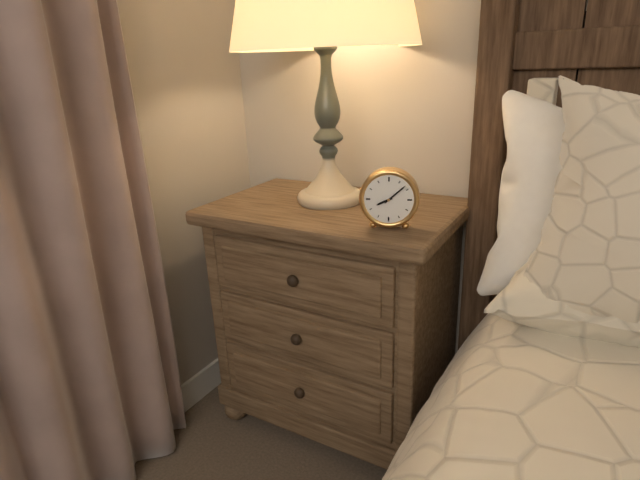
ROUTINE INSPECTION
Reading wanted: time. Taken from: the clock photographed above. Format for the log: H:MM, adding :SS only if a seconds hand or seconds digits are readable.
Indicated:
8:08
